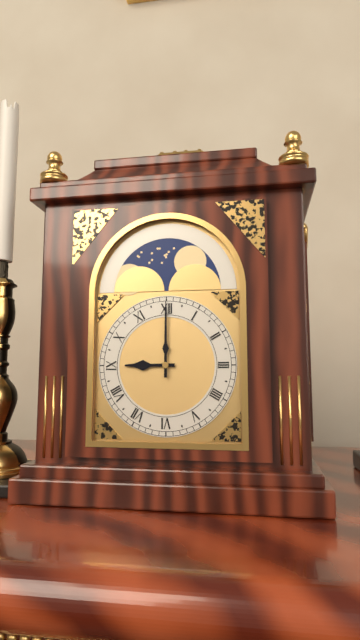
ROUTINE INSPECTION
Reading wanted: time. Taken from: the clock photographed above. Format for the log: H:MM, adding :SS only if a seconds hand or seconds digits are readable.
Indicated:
9:00
